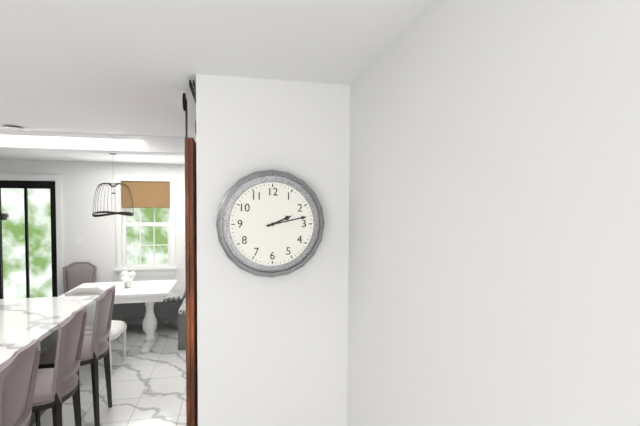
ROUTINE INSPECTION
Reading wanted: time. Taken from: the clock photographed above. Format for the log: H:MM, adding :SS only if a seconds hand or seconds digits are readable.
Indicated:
2:13
